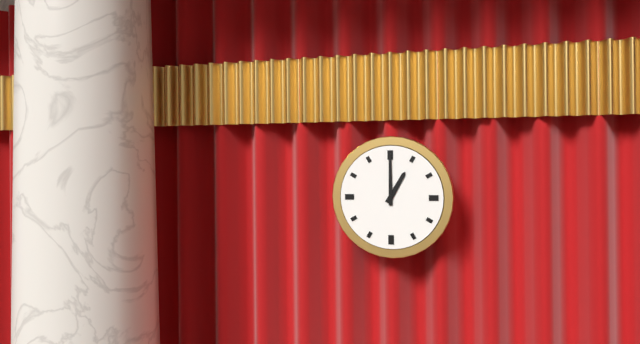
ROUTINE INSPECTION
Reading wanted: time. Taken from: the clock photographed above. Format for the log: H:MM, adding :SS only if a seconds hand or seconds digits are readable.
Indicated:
1:00
